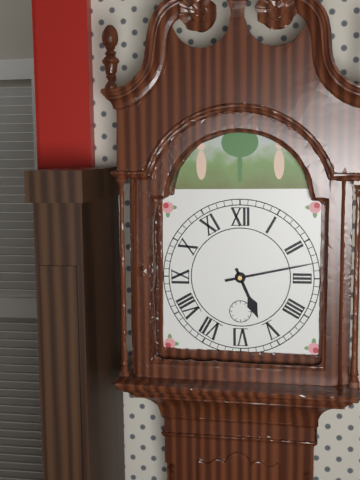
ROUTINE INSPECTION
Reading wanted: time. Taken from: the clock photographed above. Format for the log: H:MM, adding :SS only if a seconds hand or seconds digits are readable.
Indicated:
5:13
